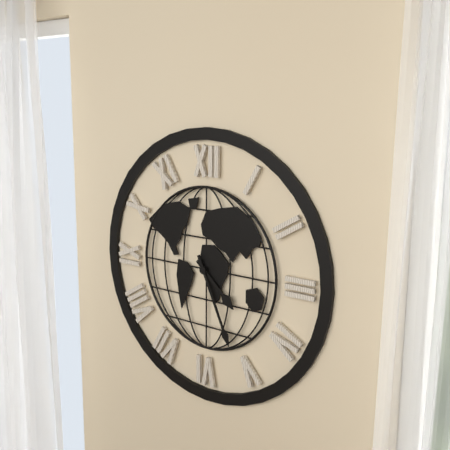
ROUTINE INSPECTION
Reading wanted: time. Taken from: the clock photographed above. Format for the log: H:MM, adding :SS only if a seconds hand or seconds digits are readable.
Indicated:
4:26
